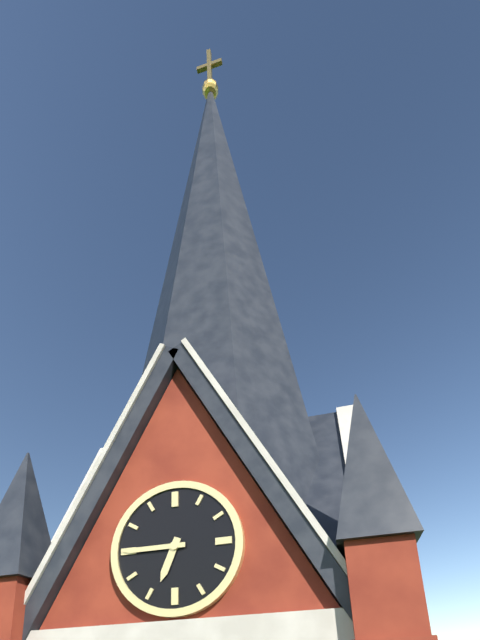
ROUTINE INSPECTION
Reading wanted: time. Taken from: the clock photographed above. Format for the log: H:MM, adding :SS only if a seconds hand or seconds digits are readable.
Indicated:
6:45
